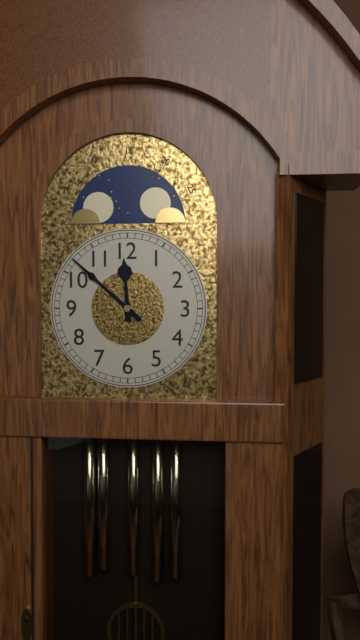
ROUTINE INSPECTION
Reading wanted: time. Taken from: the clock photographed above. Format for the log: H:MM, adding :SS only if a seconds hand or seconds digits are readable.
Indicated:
11:52
